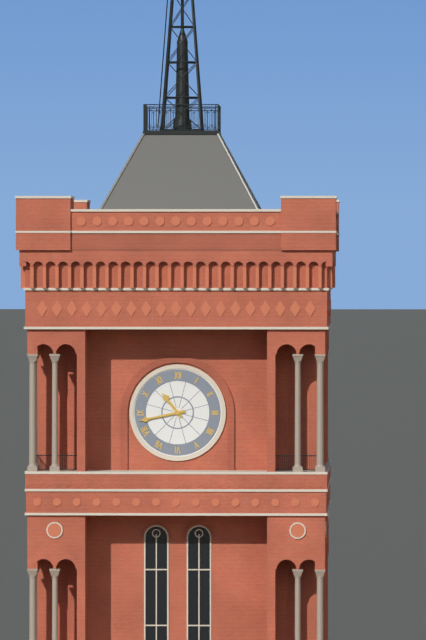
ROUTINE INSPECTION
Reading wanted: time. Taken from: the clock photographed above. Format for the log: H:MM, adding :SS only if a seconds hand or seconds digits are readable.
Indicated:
10:43
